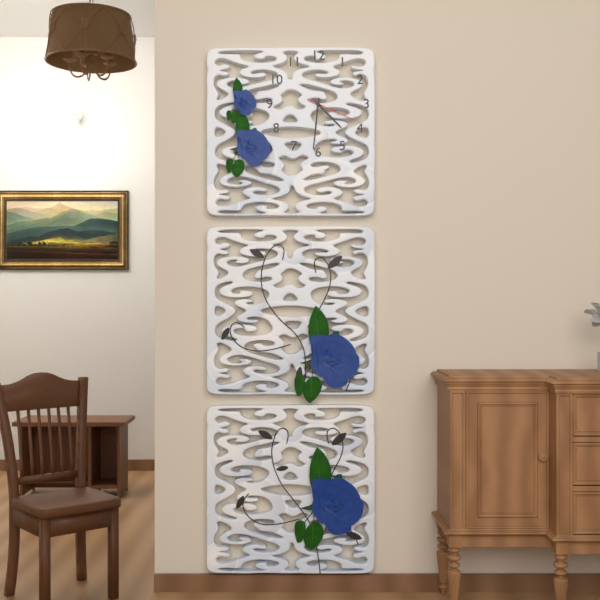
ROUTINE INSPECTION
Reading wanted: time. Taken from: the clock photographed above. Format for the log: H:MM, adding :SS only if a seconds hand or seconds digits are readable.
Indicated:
4:31:19
